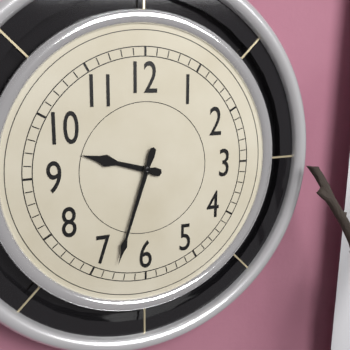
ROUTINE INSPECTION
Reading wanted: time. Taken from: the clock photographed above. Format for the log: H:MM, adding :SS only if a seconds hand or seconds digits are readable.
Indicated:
9:33
